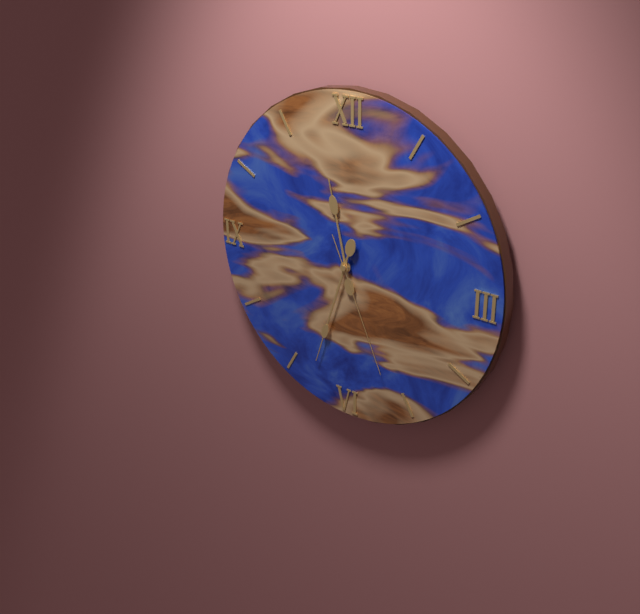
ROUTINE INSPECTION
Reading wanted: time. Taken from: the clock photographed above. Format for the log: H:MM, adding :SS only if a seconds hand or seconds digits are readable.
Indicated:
11:33:26
